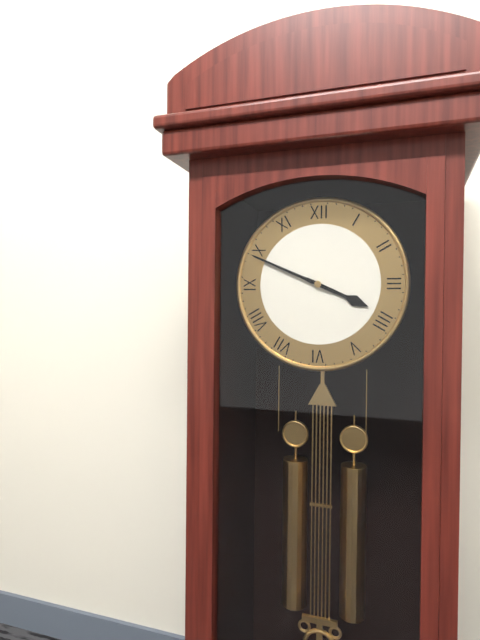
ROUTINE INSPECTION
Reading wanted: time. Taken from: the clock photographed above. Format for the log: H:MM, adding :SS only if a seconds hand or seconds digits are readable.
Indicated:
3:49
